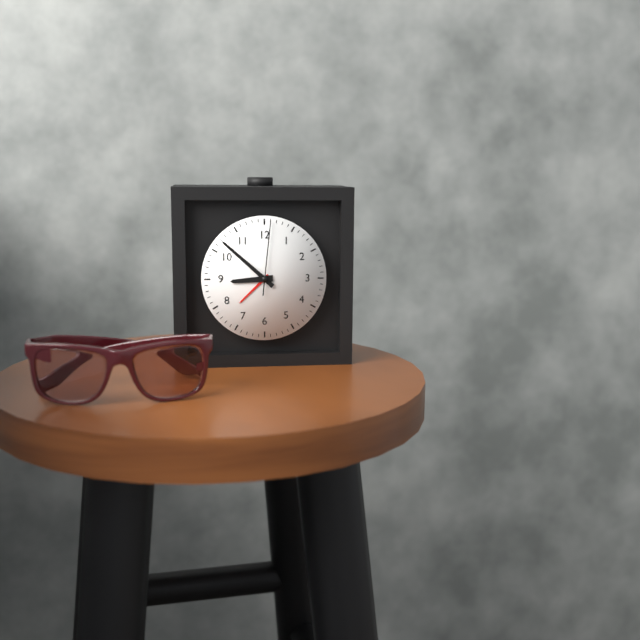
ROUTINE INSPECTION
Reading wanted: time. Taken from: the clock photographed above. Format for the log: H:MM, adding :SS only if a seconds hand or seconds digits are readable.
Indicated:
8:52:01
